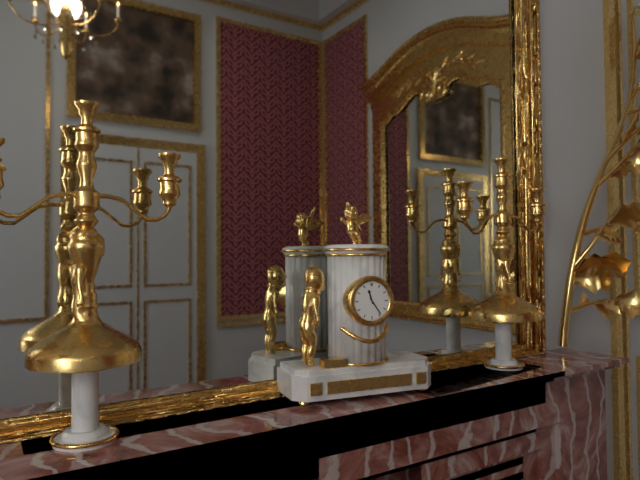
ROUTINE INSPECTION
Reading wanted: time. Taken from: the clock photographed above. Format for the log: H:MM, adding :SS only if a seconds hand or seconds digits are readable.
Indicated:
11:24
